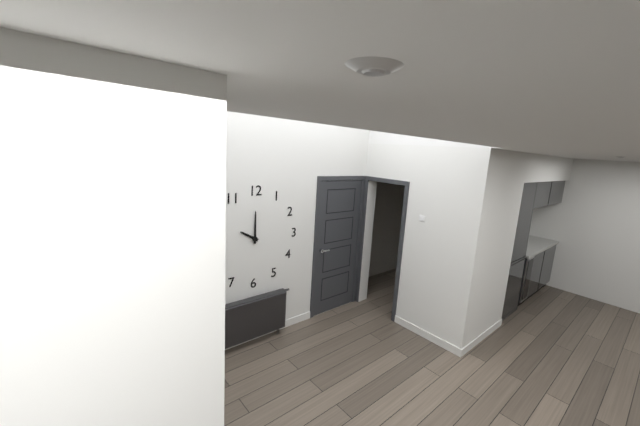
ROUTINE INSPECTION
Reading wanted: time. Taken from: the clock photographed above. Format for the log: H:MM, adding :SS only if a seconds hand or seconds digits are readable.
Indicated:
10:00
